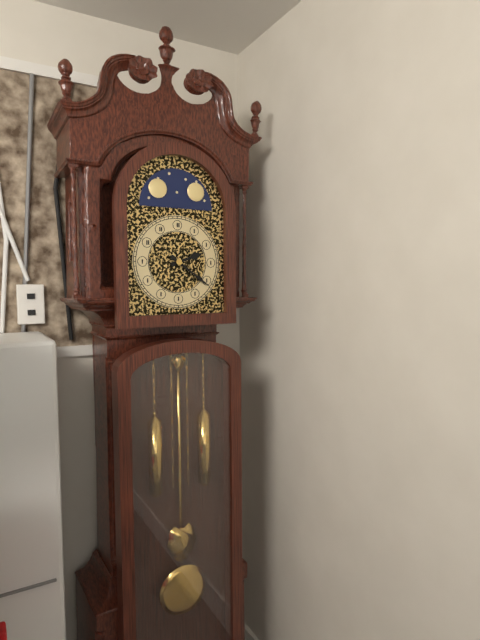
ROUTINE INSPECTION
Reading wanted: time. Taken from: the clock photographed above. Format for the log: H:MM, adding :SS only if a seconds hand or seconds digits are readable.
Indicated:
2:21
